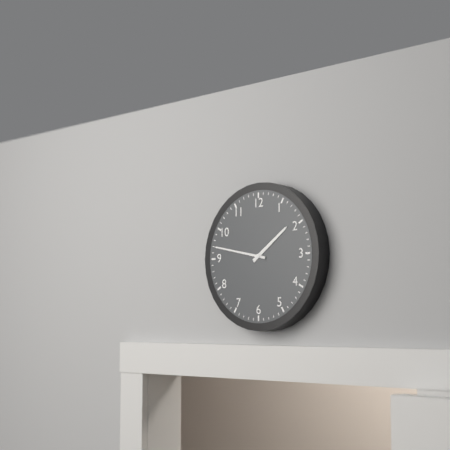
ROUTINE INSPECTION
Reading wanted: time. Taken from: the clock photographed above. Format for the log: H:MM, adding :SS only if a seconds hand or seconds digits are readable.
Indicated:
1:47
